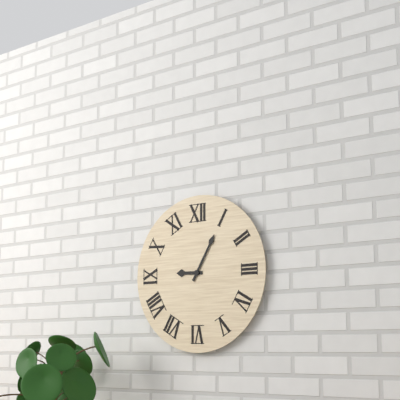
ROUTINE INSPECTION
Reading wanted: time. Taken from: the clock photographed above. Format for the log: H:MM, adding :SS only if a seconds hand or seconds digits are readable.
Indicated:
9:05
